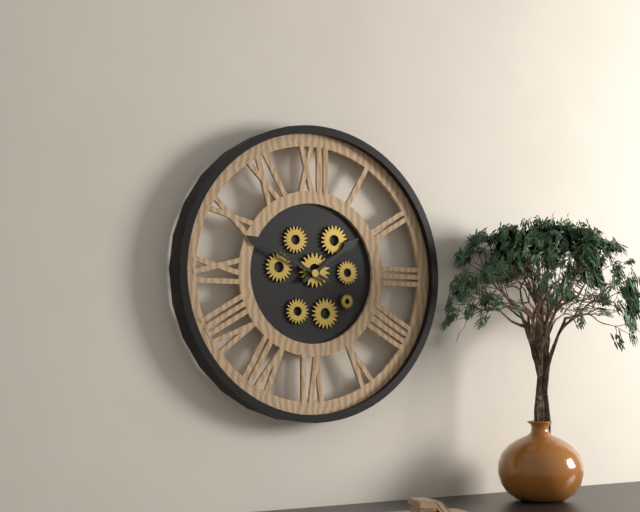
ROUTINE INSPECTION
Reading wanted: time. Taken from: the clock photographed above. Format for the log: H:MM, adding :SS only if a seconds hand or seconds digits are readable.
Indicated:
1:49
